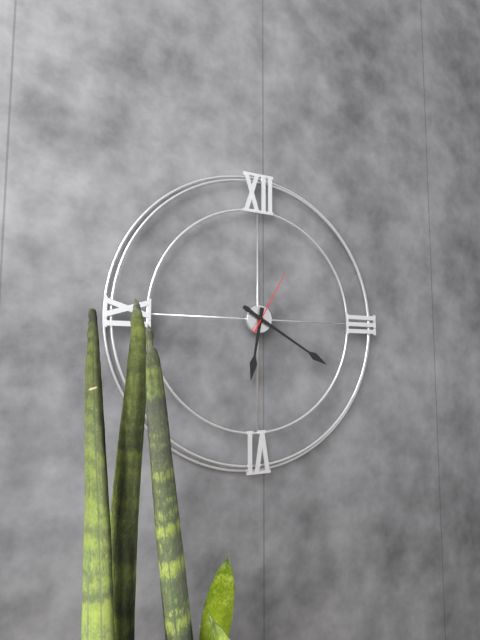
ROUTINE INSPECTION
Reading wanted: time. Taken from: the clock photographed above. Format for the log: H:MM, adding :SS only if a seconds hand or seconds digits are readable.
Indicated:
6:20:05
